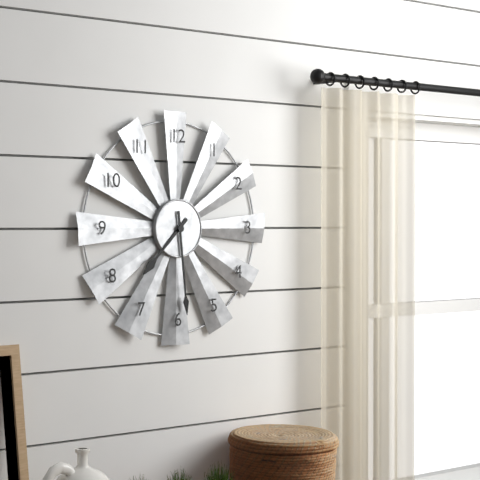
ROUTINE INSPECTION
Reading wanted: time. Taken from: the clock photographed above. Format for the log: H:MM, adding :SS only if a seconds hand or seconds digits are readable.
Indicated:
7:29
